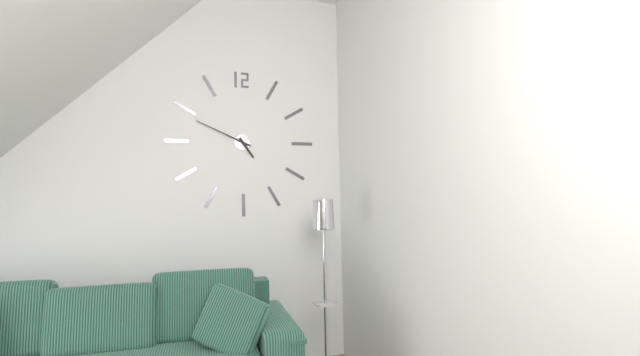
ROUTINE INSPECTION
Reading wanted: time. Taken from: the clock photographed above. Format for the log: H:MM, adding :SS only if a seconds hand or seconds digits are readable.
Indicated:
4:49
